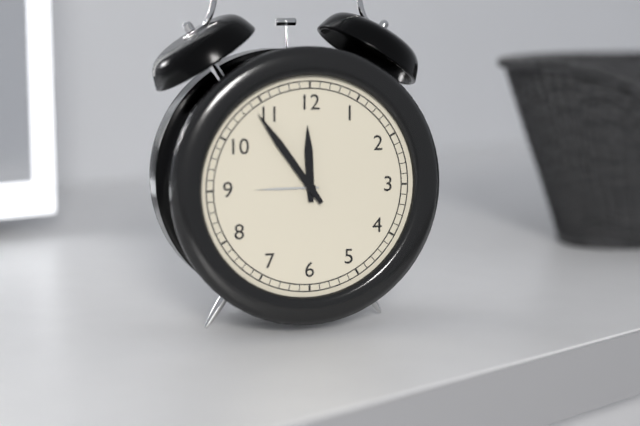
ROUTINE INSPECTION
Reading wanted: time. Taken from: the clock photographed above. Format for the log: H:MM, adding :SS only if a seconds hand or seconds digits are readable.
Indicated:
11:54
